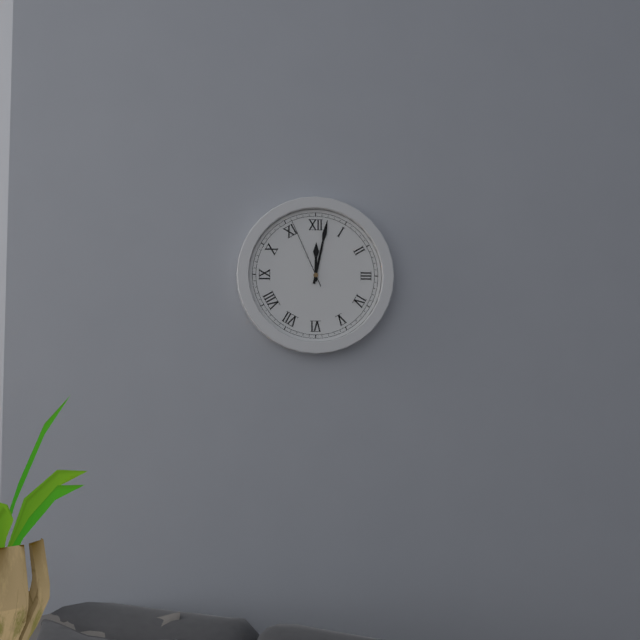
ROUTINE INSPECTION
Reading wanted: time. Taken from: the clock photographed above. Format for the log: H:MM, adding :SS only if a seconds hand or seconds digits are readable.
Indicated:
12:02:56
